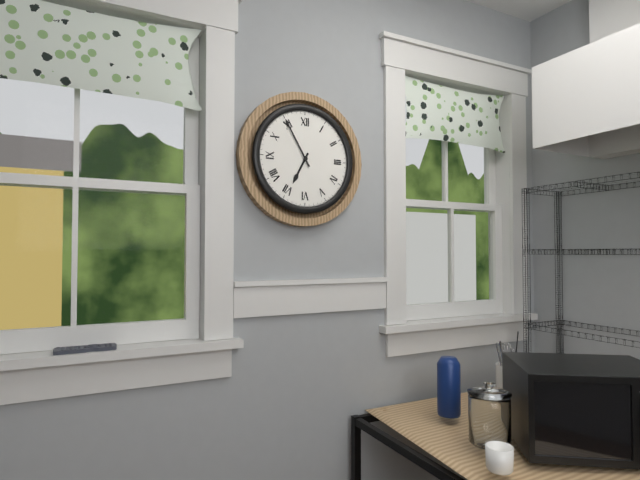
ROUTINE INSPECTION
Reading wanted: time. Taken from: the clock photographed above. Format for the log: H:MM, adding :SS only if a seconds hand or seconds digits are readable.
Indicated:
6:55
